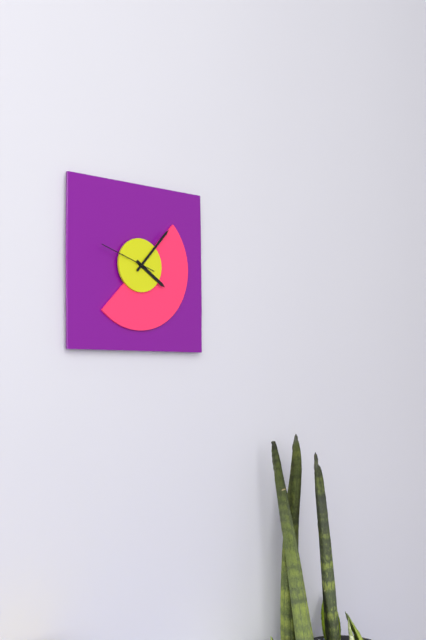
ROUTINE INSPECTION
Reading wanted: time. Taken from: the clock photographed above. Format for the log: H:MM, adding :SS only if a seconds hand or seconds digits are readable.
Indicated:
4:07:48
